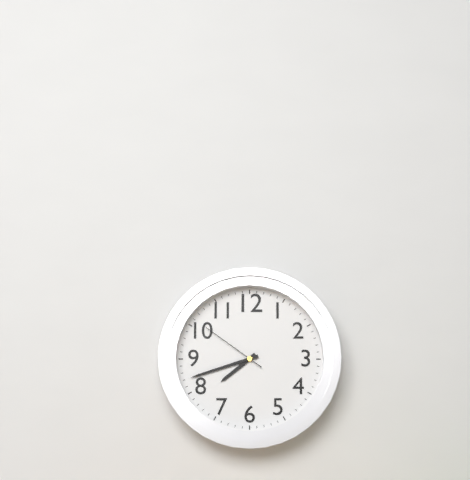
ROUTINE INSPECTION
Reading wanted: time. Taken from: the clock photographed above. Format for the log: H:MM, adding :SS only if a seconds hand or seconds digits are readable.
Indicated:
7:42:51
